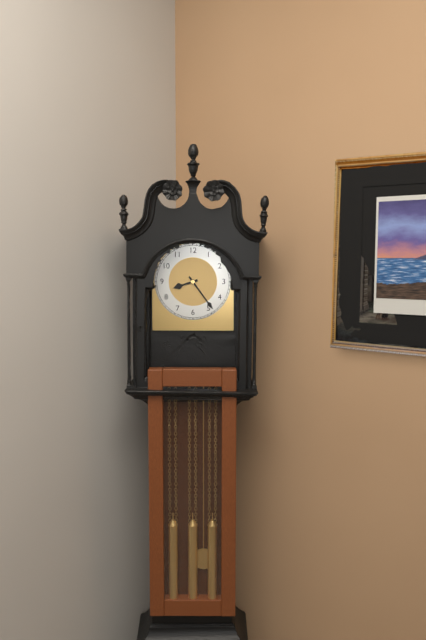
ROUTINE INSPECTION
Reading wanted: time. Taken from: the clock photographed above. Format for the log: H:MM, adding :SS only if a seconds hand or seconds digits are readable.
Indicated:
8:24
